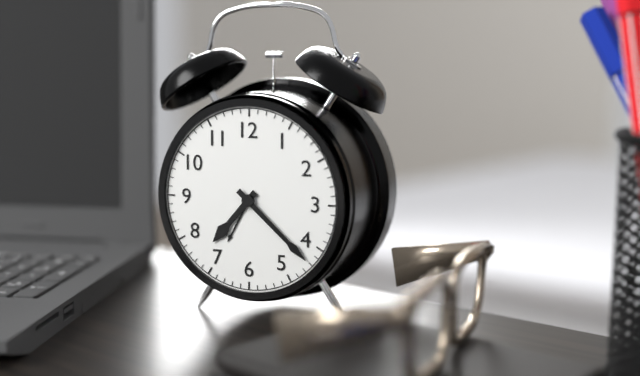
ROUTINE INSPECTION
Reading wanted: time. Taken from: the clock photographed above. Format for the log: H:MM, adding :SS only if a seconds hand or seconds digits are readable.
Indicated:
7:22
